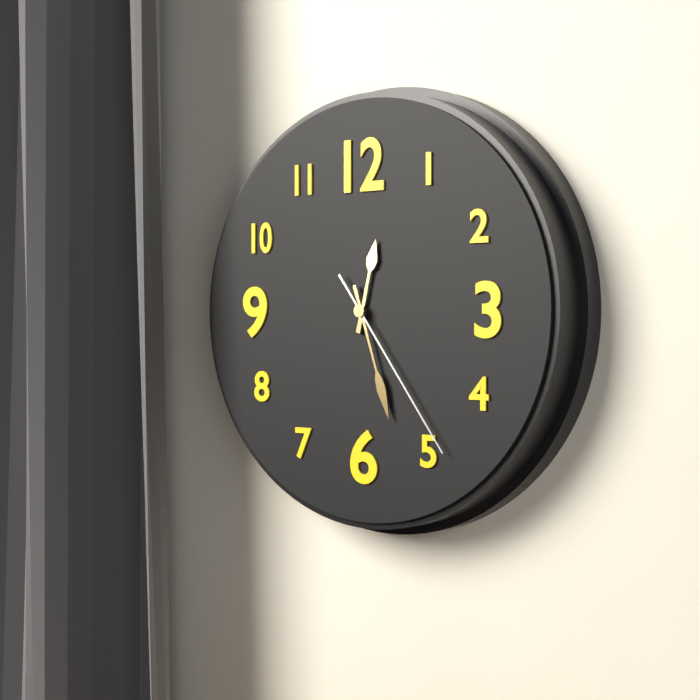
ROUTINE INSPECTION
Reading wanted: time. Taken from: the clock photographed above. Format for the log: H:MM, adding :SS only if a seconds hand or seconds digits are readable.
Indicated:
12:27:24
